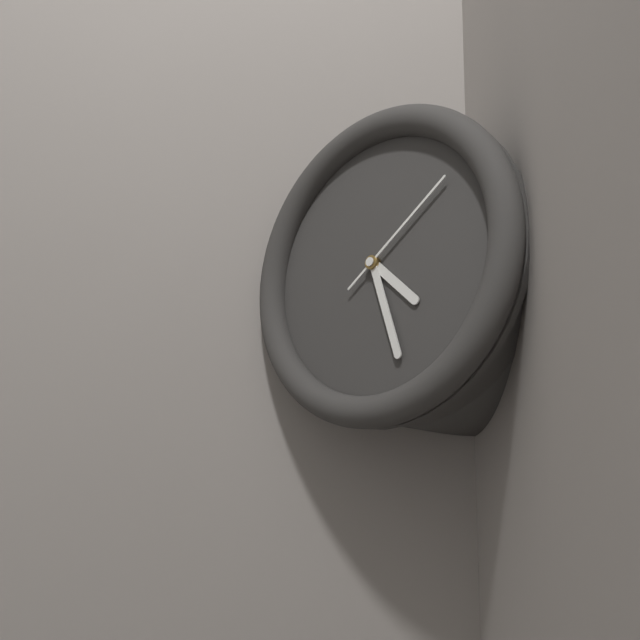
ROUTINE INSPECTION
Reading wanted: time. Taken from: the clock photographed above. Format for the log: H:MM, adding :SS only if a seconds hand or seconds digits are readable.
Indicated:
4:27:09
